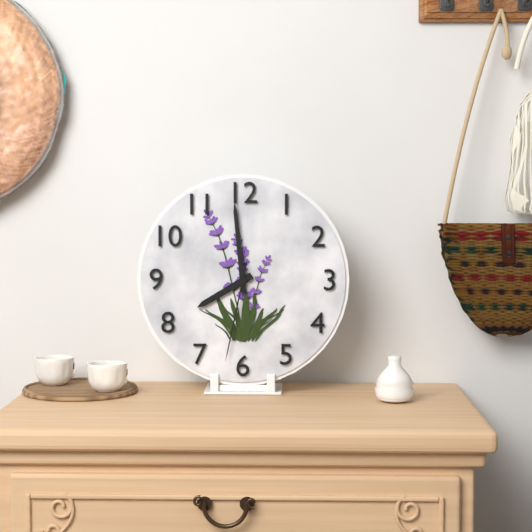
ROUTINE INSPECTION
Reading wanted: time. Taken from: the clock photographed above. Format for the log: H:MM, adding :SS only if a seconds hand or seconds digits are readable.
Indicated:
7:59:32
